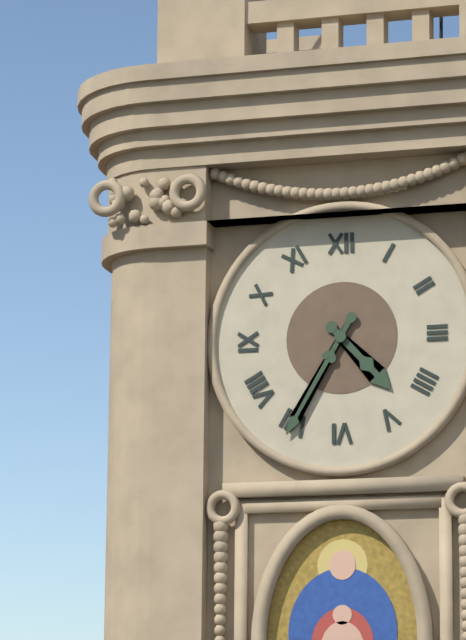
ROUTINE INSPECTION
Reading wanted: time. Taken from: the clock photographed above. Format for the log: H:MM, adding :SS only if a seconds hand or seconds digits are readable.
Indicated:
4:35
